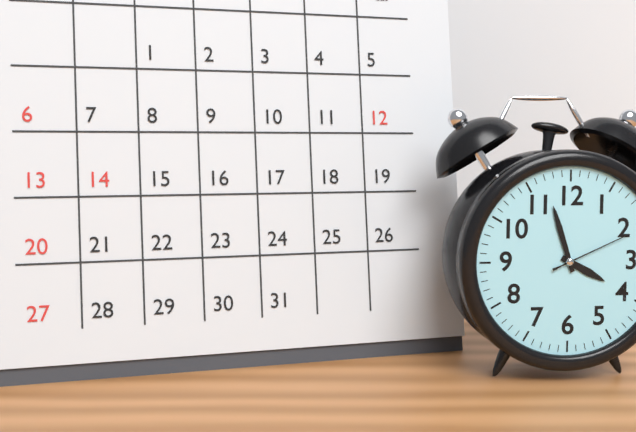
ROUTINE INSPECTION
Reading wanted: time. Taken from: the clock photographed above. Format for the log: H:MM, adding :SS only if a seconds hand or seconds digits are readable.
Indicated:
3:57:11
